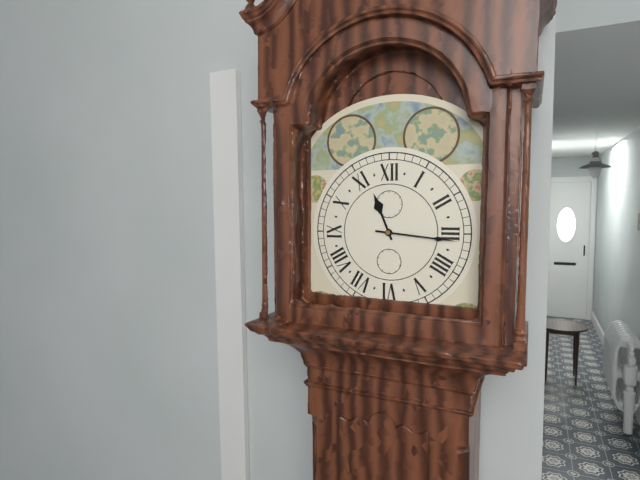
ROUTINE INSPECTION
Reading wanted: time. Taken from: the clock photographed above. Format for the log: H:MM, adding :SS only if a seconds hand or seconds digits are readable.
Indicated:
11:16
